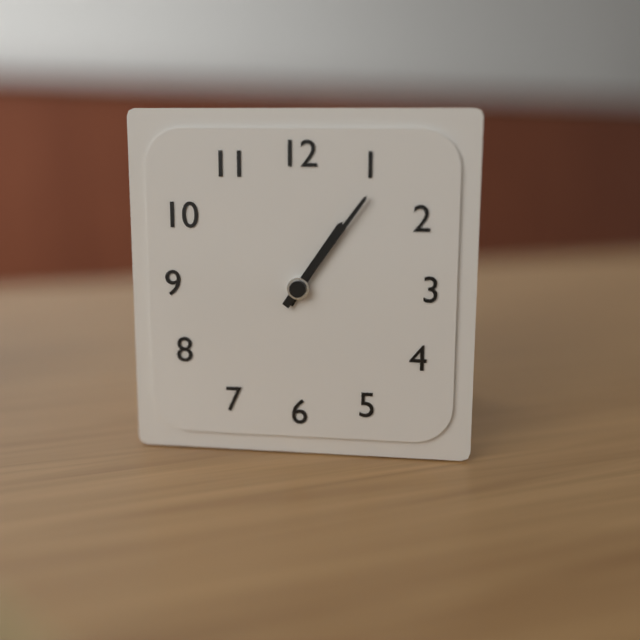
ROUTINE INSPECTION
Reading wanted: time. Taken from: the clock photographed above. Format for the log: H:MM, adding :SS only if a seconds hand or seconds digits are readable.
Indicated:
1:06
